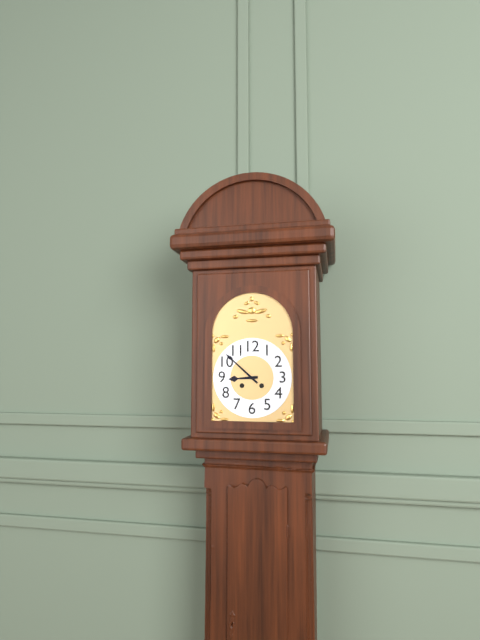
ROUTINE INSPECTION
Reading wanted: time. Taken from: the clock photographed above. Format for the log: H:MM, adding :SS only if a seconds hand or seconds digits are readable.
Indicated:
8:52
